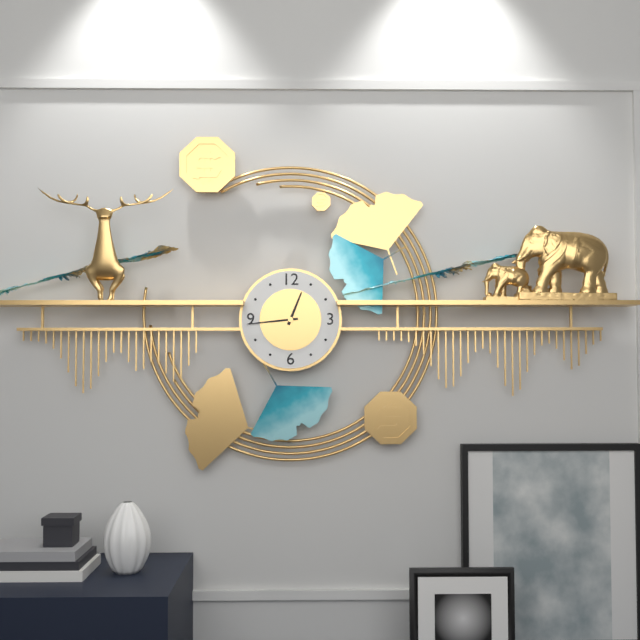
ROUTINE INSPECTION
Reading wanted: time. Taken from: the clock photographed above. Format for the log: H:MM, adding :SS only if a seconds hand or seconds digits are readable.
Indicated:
12:44
